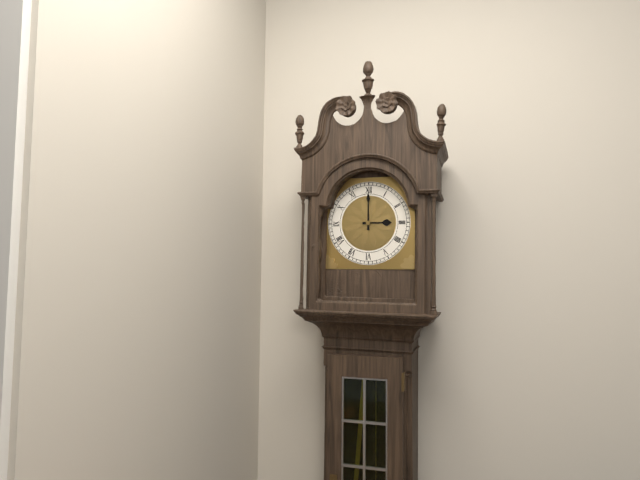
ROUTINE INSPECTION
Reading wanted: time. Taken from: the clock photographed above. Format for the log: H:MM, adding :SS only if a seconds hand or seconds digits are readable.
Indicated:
3:00
